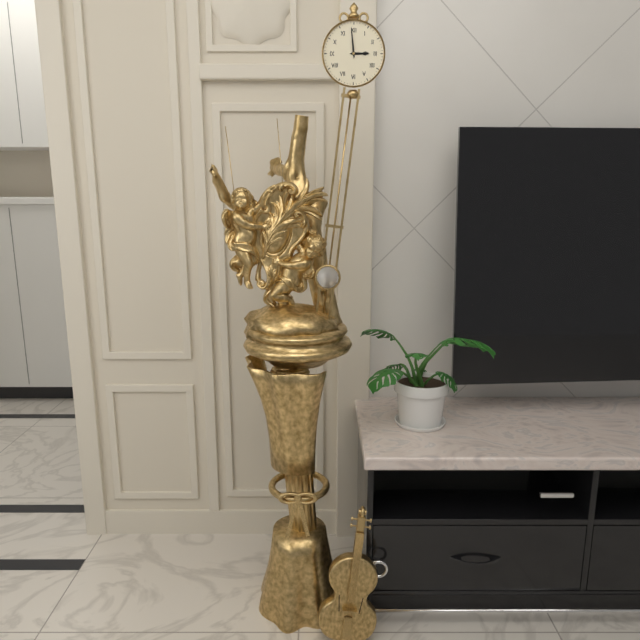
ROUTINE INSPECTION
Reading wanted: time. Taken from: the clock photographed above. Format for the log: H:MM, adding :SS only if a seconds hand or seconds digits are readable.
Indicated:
2:59
